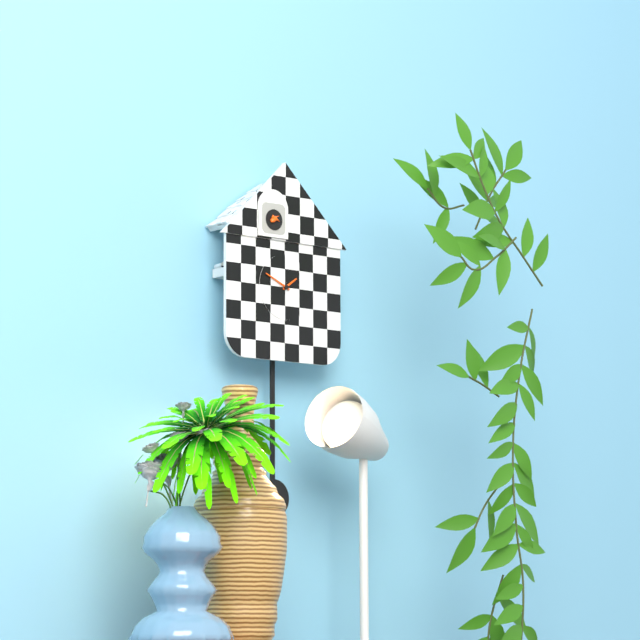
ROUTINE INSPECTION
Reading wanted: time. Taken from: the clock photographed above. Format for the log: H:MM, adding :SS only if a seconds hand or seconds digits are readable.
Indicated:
1:49
